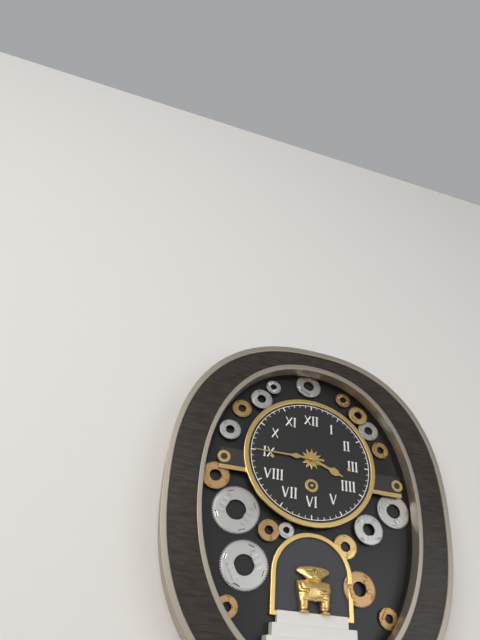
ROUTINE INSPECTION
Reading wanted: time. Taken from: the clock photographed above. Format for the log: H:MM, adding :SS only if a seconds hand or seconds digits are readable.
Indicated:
3:45
